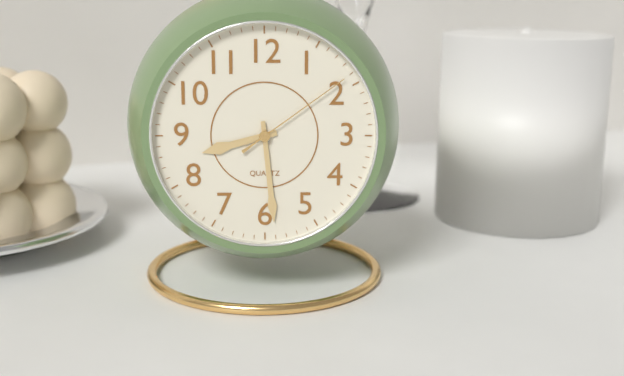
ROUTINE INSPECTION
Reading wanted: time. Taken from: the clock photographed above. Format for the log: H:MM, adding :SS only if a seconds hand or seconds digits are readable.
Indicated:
8:29:09
